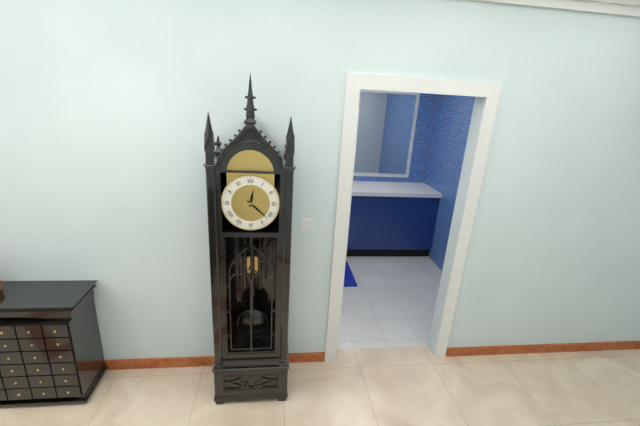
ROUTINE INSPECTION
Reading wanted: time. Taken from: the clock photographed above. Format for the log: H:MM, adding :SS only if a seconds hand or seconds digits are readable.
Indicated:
12:22
